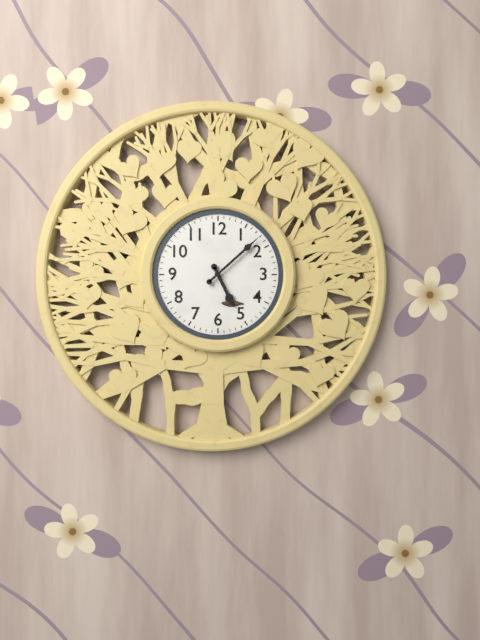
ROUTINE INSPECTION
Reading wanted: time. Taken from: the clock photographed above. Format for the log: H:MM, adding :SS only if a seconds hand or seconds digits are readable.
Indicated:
5:08
